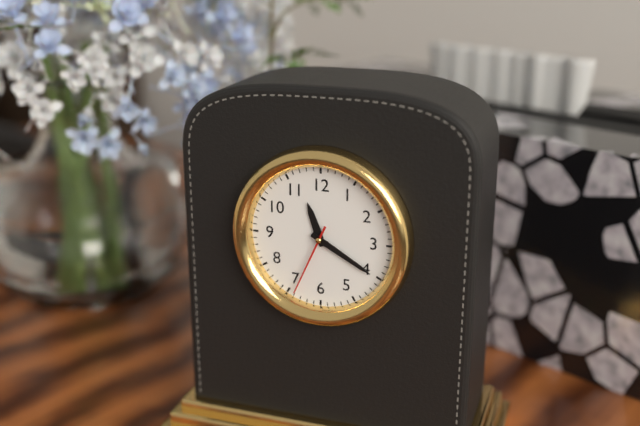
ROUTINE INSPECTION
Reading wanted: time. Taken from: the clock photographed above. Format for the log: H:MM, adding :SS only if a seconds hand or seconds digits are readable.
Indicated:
11:20:34
